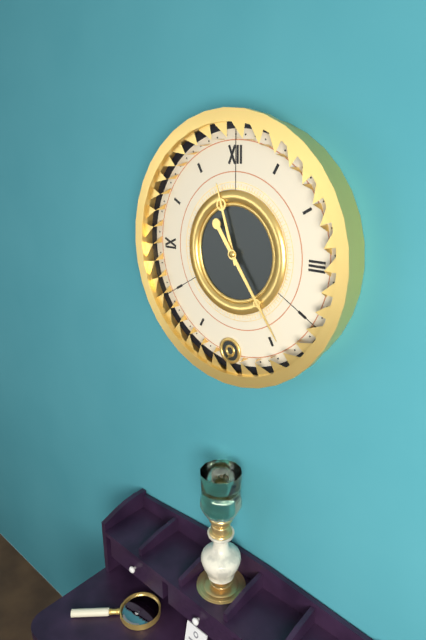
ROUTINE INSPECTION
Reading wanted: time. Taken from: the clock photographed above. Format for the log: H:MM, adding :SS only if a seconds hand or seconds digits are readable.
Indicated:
11:24
